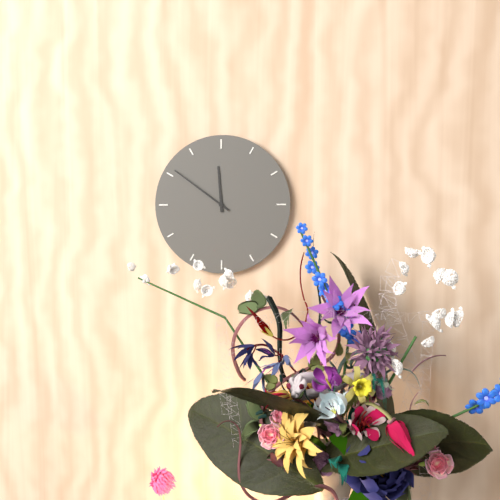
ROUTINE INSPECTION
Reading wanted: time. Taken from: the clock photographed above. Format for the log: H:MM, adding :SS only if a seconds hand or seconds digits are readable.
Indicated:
11:51
